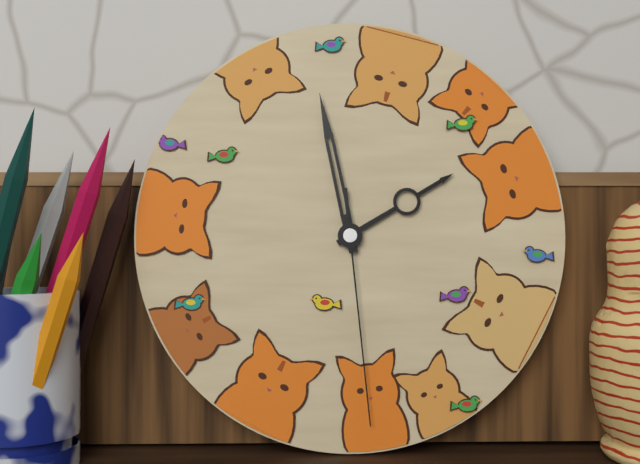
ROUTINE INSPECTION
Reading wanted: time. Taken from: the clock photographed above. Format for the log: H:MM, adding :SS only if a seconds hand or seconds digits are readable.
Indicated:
1:58:29
